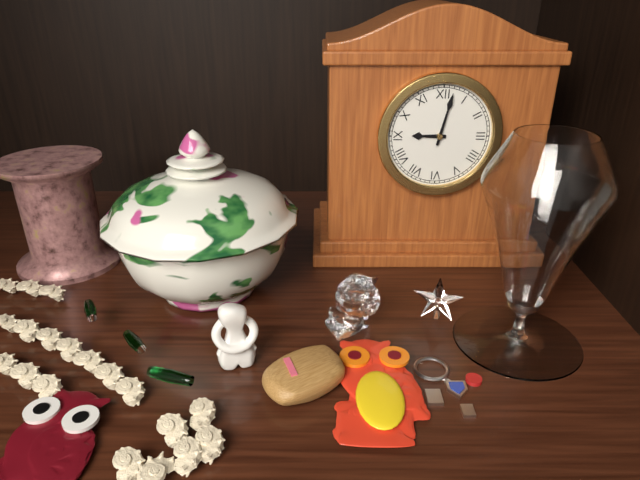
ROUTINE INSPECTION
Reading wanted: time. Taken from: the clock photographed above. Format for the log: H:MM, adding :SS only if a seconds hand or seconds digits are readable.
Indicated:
9:02
